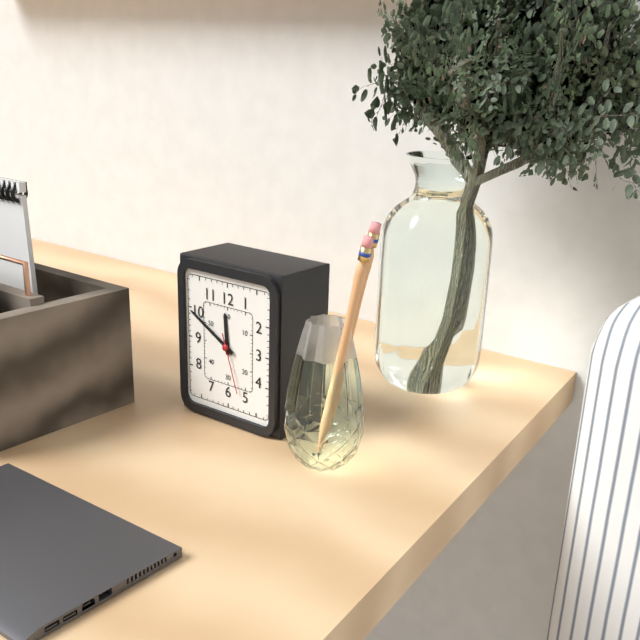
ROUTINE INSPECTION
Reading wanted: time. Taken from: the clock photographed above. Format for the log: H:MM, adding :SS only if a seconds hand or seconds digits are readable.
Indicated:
11:50:27
